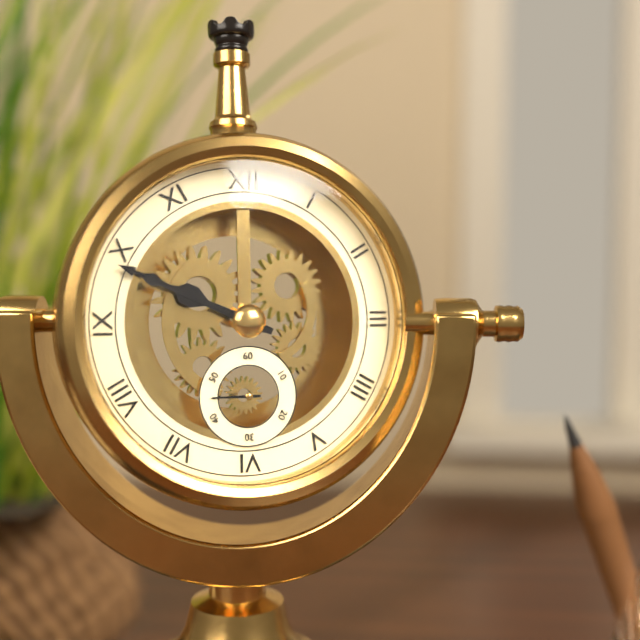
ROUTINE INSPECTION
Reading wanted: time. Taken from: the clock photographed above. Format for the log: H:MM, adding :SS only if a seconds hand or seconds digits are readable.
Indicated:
9:49
